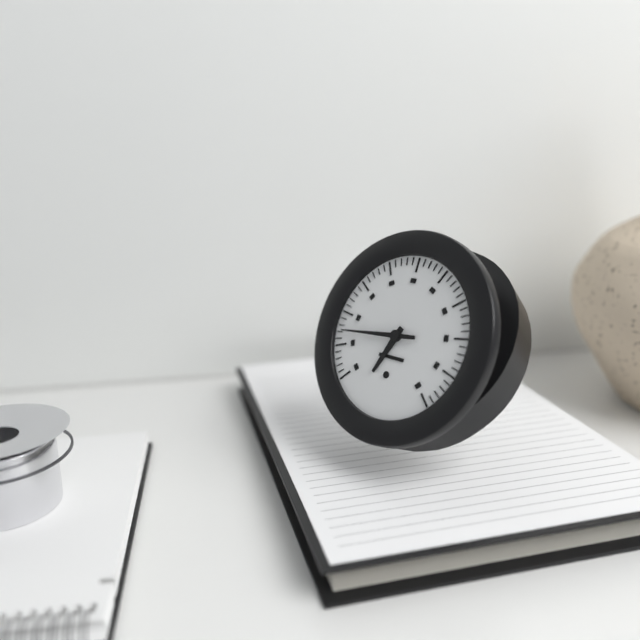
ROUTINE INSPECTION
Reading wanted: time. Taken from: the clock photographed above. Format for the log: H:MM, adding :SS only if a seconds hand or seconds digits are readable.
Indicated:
6:44
